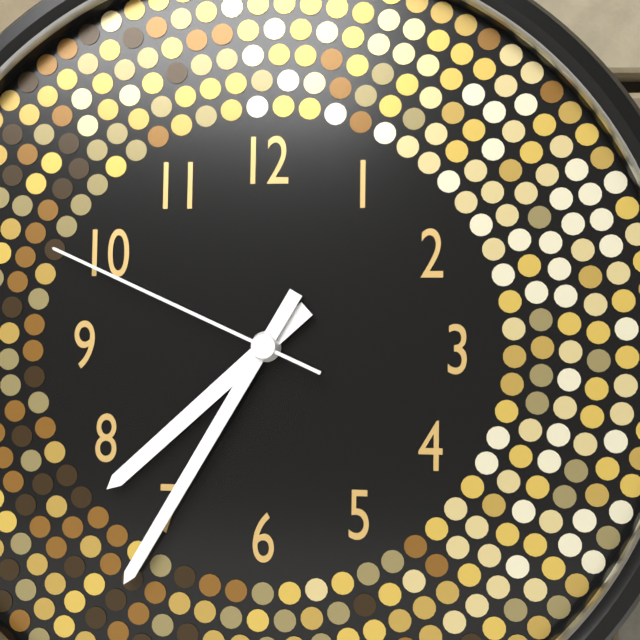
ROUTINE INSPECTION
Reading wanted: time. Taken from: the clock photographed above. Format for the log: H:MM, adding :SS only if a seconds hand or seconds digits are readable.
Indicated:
7:35:49
